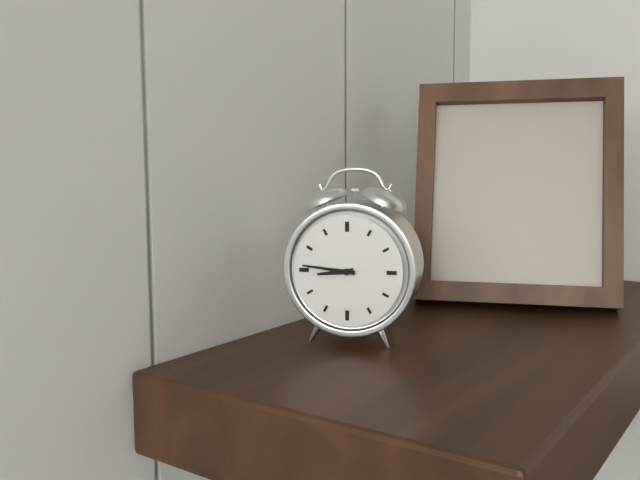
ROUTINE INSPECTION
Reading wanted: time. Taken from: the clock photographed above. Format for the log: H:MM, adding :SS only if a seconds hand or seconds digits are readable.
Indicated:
8:46
